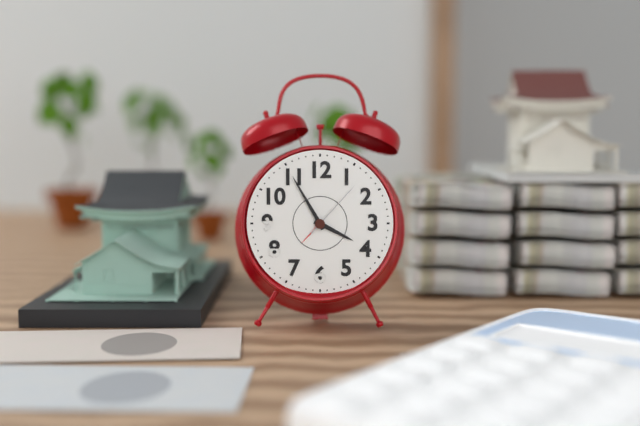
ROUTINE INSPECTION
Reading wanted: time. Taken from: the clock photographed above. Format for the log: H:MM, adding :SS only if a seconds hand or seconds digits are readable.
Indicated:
3:55:07
